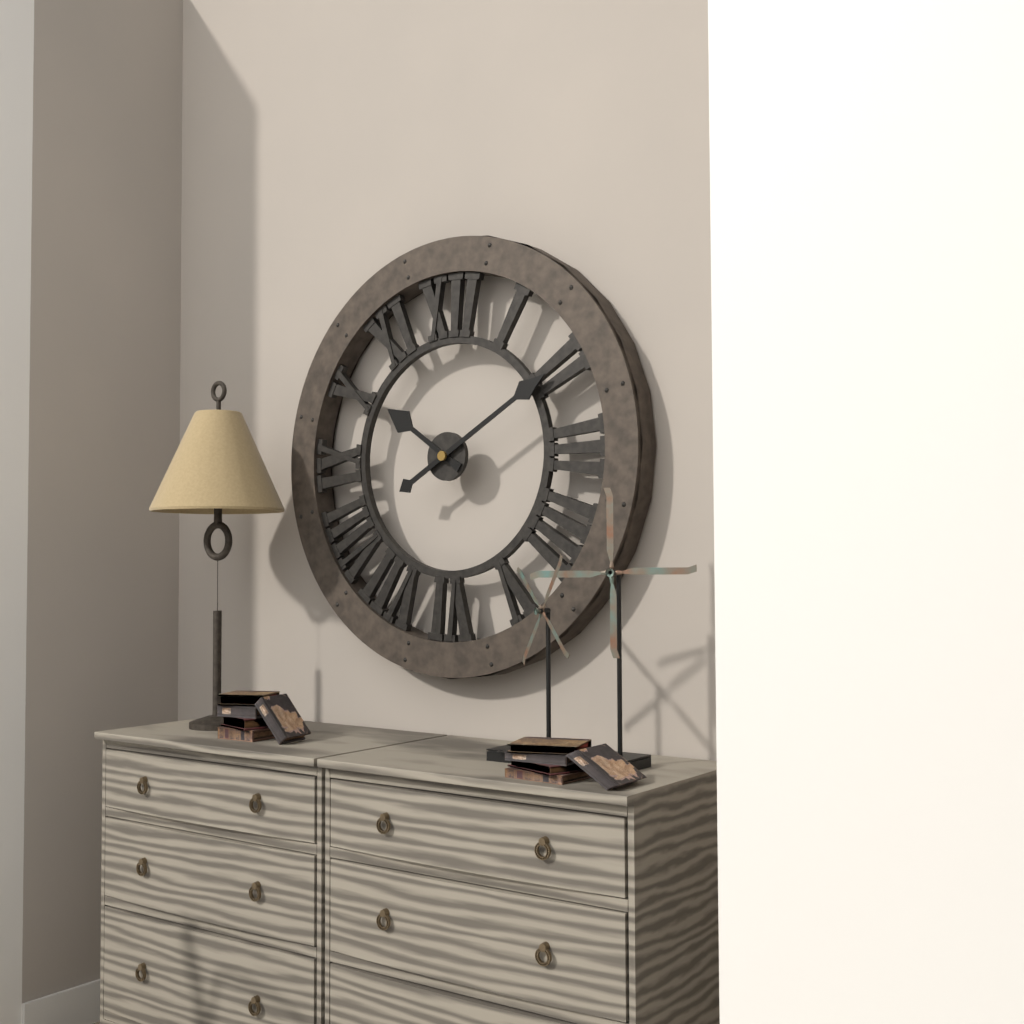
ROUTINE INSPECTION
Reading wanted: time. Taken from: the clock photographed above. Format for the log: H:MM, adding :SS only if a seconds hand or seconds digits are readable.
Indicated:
10:10
